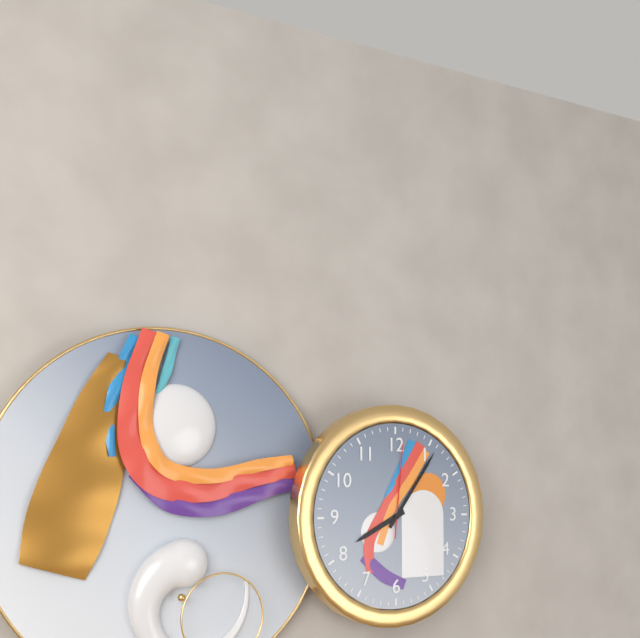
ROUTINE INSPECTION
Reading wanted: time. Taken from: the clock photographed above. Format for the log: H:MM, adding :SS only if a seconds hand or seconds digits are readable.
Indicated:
8:06:01
